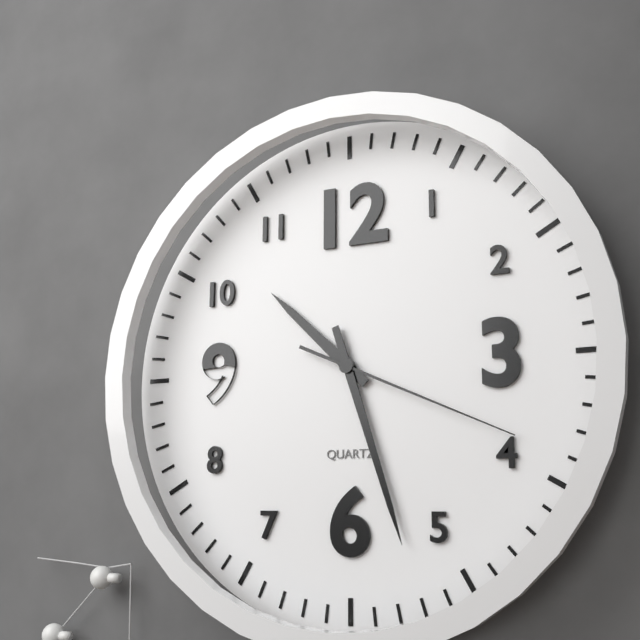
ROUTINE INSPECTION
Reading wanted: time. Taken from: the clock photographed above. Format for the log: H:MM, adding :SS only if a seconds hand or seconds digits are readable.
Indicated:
10:27:19
